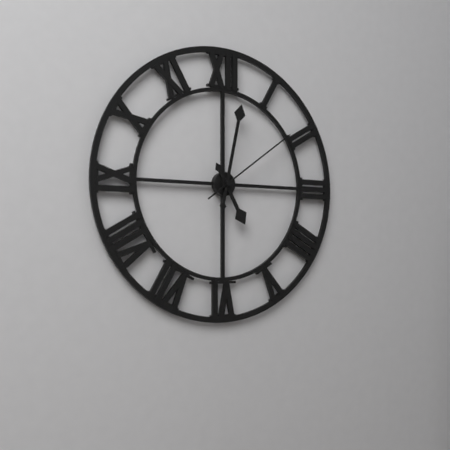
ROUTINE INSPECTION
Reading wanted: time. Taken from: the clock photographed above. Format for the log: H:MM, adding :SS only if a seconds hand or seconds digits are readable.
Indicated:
5:02:09
